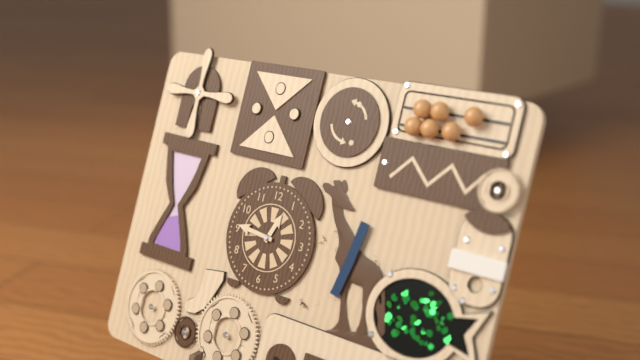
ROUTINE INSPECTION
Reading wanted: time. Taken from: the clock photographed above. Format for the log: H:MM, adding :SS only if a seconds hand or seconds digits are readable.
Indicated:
12:46
